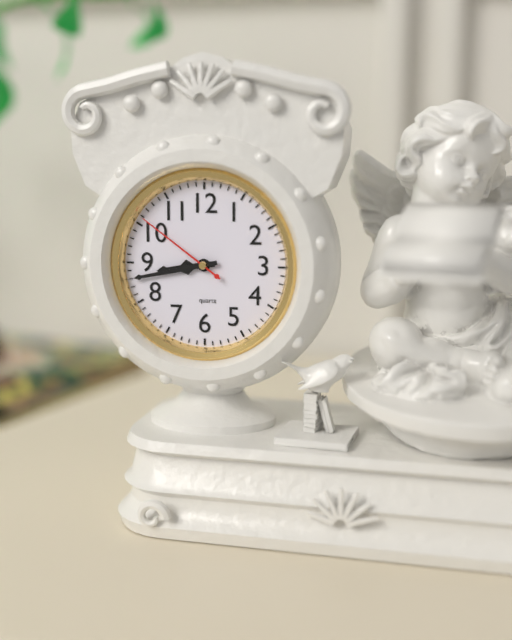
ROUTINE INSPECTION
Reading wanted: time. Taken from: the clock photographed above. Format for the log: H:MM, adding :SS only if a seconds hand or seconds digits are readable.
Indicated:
8:43:51
